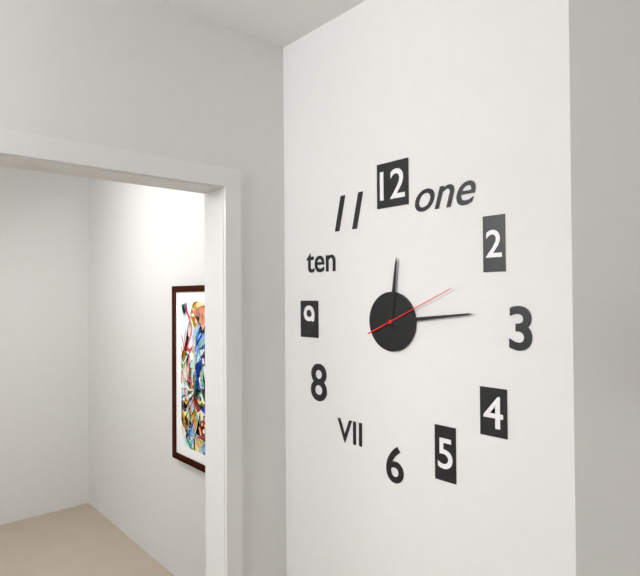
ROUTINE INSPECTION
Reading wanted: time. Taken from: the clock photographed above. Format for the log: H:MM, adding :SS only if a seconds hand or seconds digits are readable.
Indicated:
12:14:11
